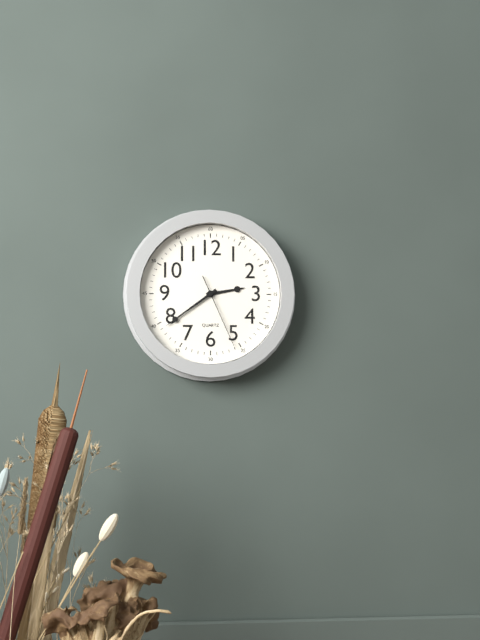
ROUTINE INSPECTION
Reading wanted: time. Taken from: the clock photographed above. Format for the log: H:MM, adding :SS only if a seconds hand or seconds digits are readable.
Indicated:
2:39:26
